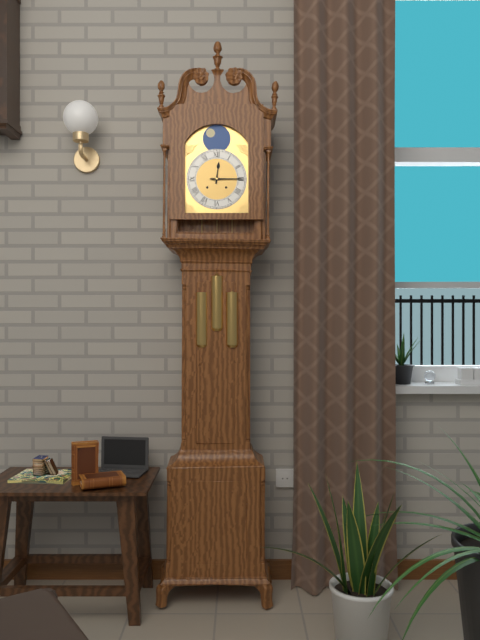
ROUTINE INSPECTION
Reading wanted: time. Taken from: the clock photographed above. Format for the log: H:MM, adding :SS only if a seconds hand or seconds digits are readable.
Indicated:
12:15
